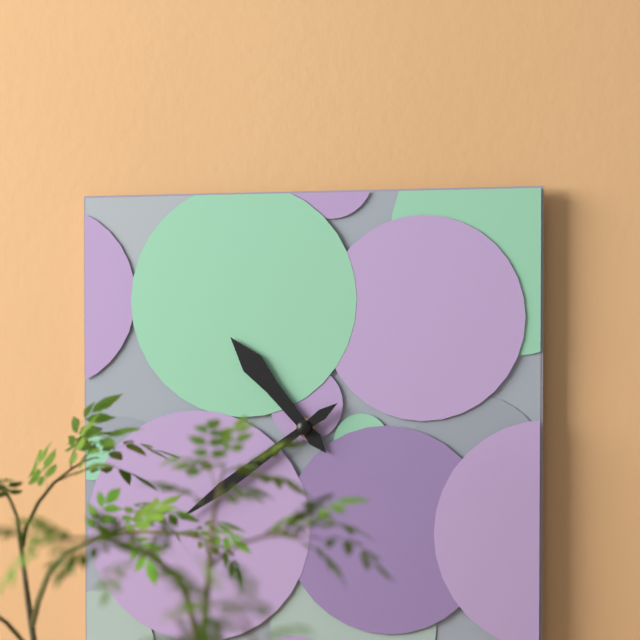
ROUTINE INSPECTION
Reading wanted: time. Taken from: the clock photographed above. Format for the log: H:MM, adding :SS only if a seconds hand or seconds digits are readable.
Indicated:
10:39
